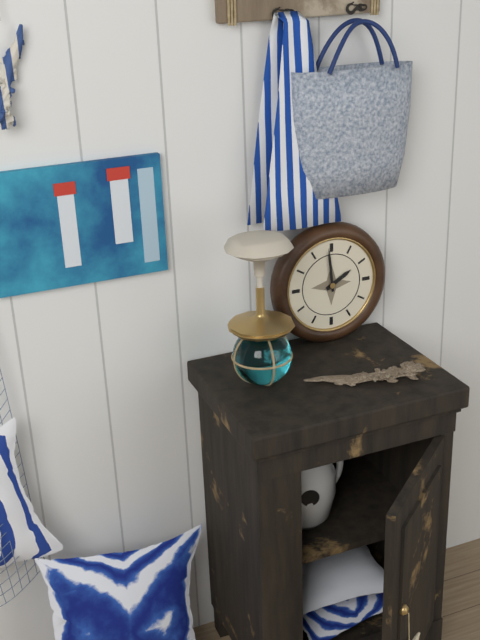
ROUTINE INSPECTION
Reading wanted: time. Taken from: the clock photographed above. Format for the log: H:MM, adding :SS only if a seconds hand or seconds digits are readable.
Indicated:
1:59
